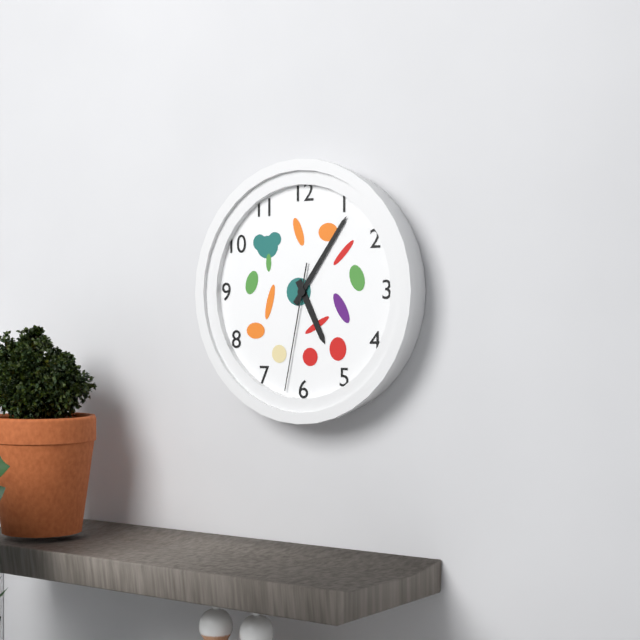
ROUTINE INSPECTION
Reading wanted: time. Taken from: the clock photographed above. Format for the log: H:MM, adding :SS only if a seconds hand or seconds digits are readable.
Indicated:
5:06:32
